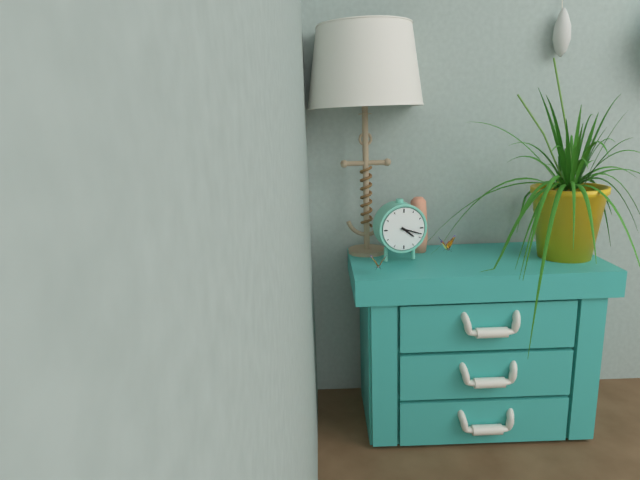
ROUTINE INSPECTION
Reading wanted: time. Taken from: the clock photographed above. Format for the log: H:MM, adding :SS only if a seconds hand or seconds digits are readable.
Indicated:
4:18
